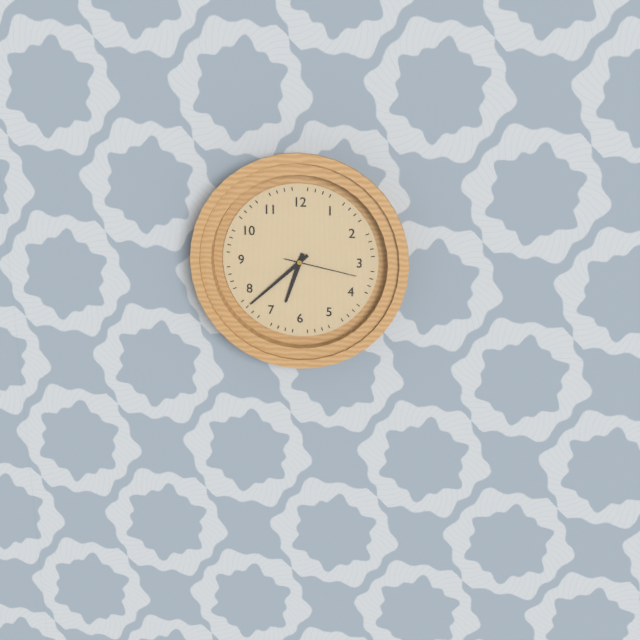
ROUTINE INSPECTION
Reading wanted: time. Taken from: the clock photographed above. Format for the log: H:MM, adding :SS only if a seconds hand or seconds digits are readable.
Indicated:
6:38:17
